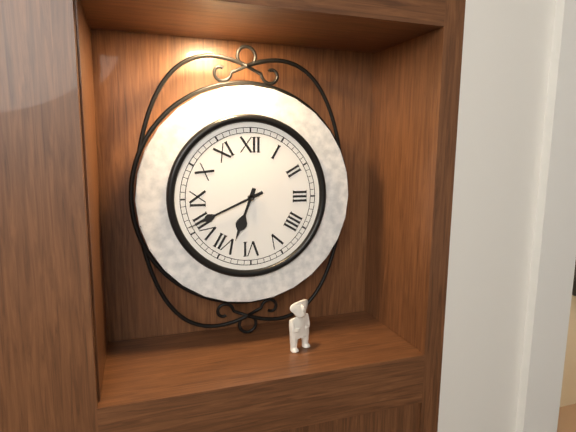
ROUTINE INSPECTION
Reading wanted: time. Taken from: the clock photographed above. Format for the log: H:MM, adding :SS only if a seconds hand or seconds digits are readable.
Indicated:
6:41
